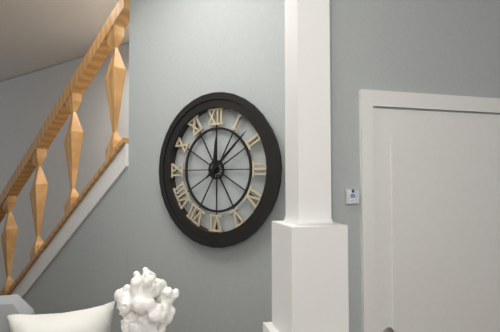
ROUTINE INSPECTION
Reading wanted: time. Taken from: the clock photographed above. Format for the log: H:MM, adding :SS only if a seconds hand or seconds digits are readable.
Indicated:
12:08
